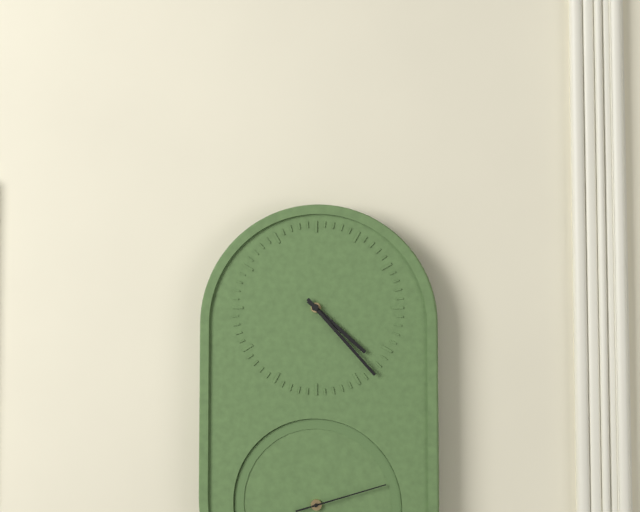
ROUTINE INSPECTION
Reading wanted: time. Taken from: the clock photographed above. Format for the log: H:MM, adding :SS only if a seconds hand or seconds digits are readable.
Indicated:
4:23:12
